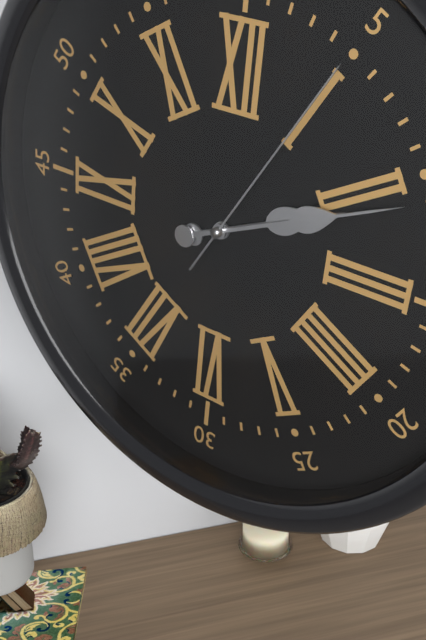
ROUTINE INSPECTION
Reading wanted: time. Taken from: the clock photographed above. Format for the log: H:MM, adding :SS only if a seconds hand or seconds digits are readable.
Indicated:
2:11:05
